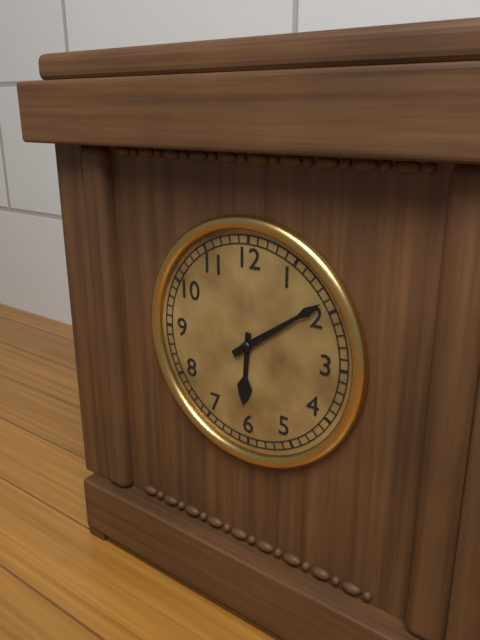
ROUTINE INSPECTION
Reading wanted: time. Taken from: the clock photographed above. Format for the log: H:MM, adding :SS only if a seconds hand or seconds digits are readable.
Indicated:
6:09
